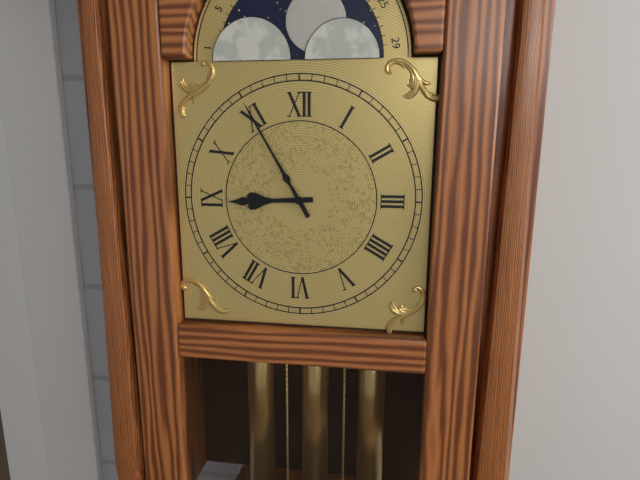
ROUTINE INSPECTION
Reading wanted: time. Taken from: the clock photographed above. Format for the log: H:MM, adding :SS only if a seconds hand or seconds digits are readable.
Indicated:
8:55
